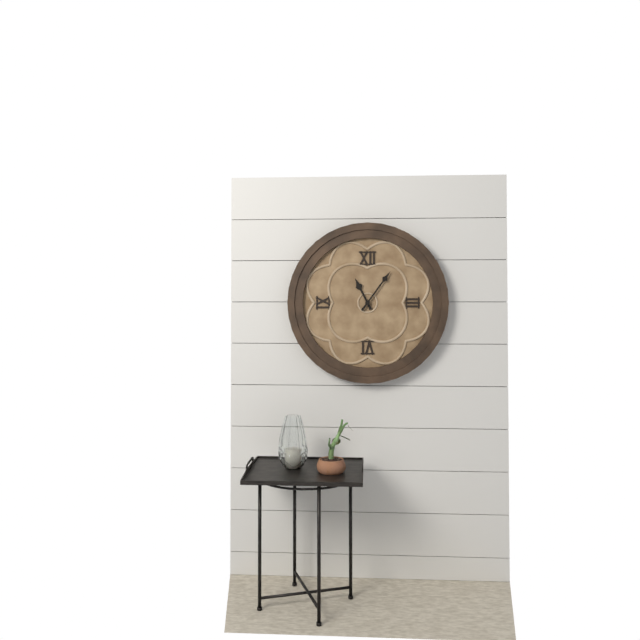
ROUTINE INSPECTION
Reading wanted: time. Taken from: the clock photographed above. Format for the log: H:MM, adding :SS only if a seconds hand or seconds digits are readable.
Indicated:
11:06
